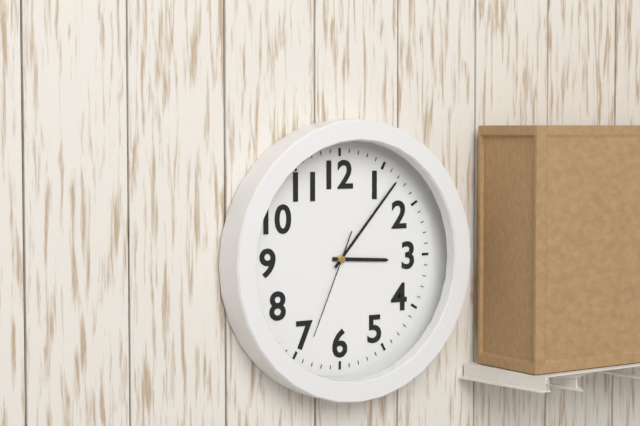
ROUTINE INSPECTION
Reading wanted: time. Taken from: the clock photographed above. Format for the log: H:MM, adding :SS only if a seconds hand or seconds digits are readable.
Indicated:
3:07:34
